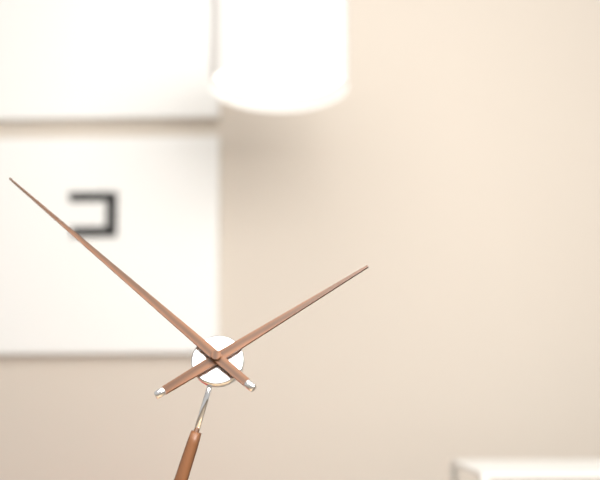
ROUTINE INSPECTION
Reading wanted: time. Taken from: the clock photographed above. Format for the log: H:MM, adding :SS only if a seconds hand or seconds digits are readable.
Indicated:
1:52
